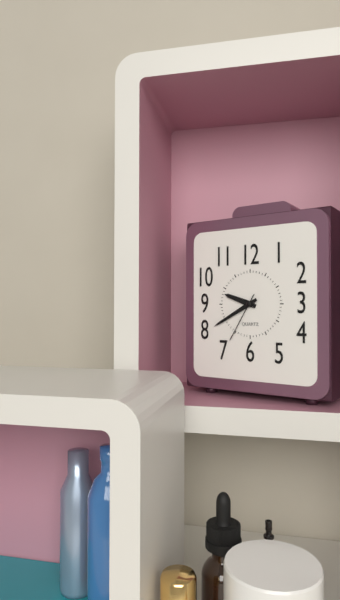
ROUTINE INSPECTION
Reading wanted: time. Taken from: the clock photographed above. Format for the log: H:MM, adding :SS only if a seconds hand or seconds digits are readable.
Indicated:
9:40:35
